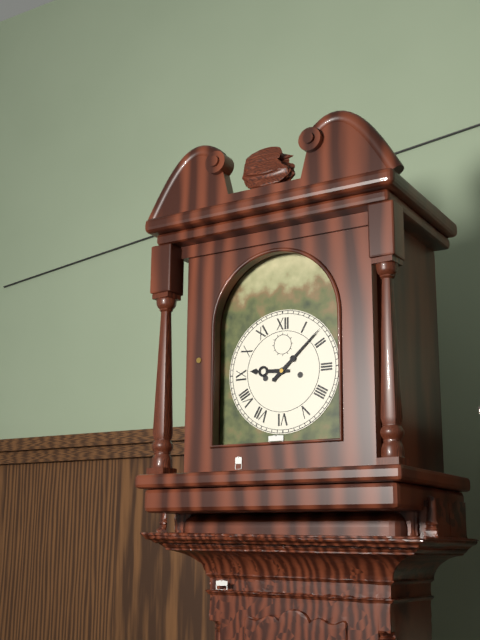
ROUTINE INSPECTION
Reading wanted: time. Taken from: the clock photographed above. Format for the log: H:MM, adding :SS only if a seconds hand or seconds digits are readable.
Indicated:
9:08
